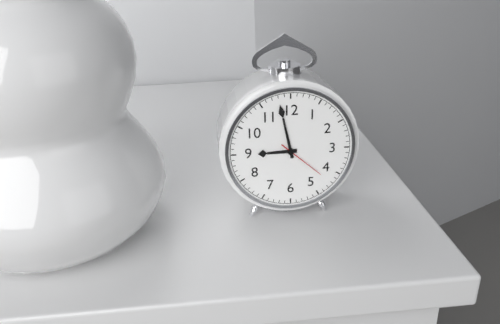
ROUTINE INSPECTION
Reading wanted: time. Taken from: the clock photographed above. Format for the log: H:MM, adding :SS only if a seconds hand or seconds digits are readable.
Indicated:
8:58
